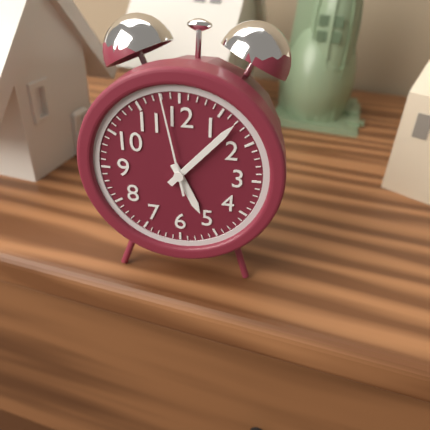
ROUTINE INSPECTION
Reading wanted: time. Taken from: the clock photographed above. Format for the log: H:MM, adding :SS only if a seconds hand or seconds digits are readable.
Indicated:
5:07:58
